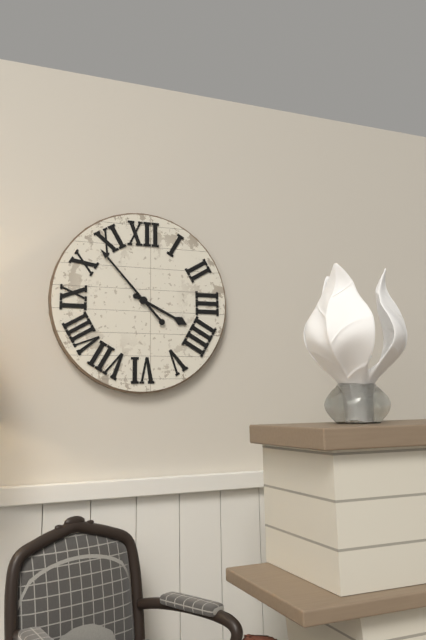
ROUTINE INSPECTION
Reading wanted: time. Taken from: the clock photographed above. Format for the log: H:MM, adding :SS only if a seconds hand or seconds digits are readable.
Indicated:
3:53
